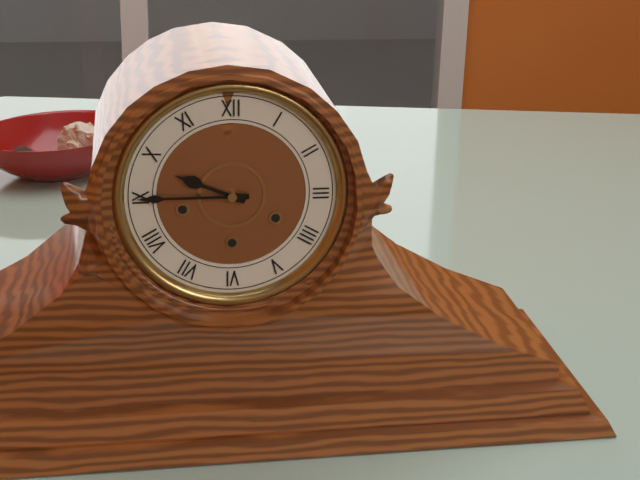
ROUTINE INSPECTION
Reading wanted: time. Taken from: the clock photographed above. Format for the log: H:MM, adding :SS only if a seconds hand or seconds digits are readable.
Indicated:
9:45
